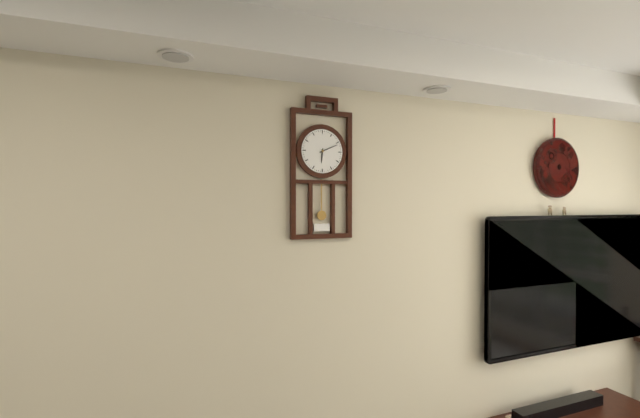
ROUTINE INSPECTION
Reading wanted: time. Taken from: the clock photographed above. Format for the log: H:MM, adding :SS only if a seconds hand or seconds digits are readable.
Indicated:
6:11
